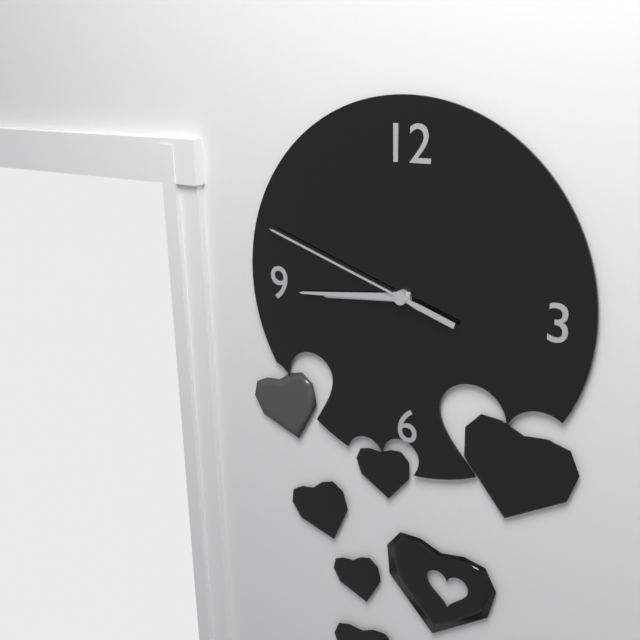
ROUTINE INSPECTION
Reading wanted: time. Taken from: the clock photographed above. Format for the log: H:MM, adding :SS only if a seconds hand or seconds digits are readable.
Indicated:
8:44:48
